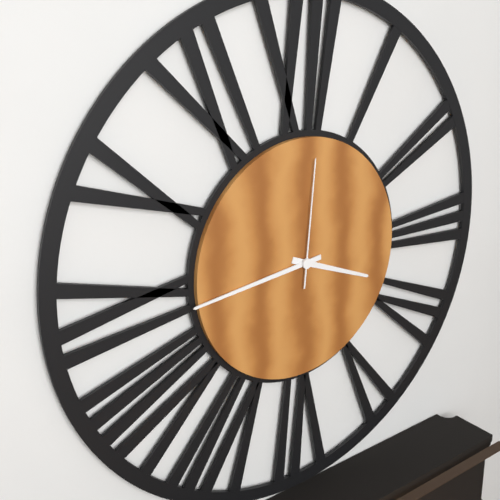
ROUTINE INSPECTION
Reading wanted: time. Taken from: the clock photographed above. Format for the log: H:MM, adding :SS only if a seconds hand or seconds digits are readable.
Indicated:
3:44:01
